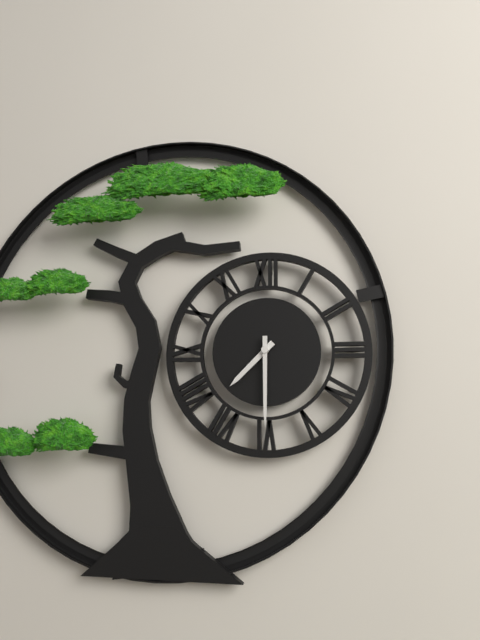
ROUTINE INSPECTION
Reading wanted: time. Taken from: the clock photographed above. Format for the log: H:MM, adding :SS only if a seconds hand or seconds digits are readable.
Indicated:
7:30
